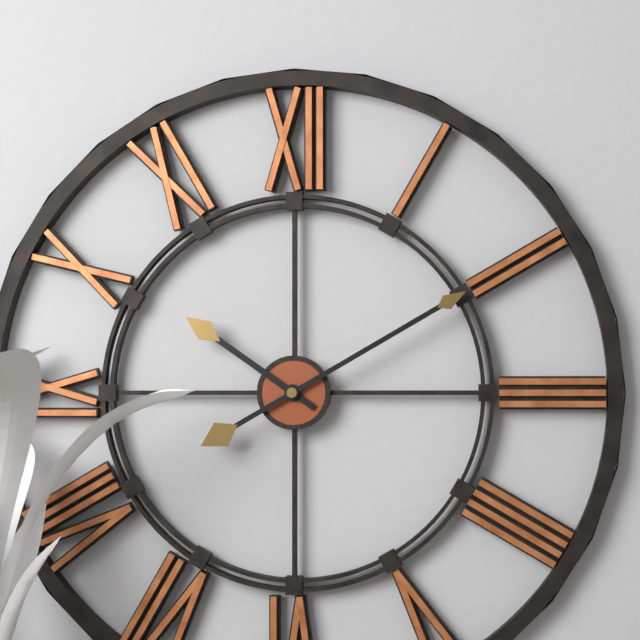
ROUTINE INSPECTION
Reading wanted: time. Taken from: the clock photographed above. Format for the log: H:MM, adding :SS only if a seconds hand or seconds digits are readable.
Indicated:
10:10
